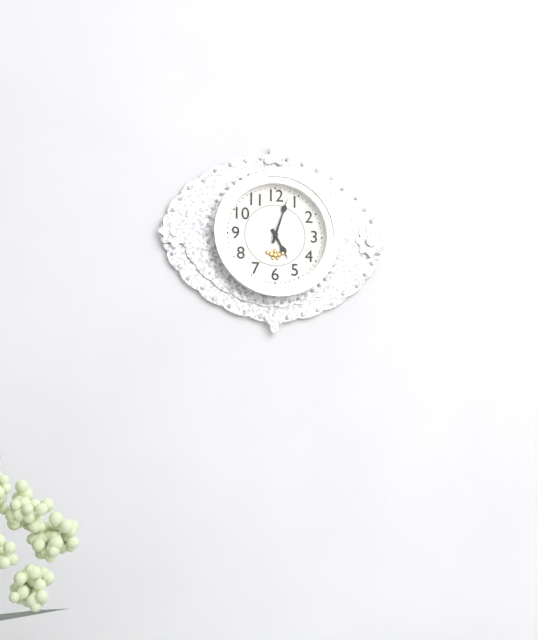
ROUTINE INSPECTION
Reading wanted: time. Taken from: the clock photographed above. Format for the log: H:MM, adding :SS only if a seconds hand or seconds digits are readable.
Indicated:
5:03
